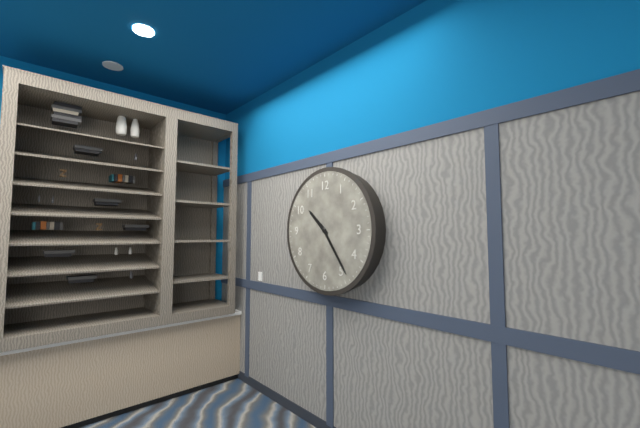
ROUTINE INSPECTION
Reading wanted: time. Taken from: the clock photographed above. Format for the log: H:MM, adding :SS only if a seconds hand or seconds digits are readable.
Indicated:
10:24
